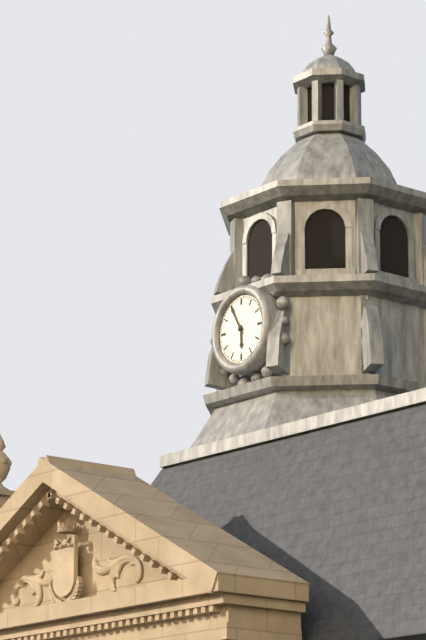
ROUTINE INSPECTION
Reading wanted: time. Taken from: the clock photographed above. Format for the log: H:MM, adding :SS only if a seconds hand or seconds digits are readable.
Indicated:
5:55
